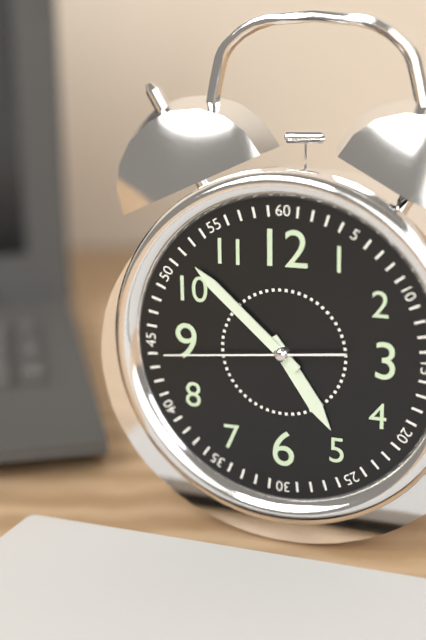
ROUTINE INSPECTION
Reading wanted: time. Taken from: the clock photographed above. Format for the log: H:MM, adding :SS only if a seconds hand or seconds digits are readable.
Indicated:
4:52:44
